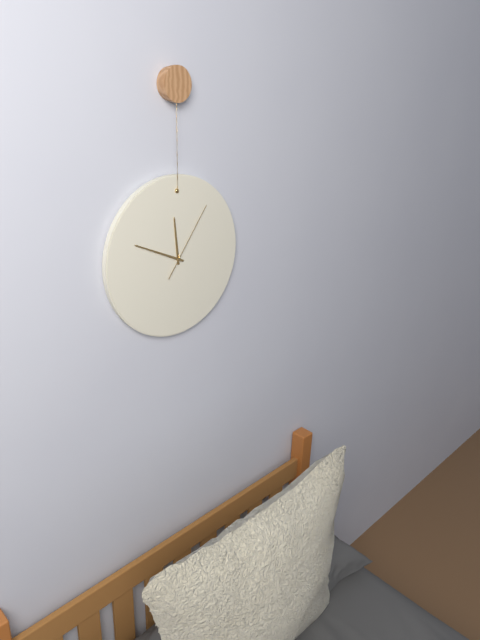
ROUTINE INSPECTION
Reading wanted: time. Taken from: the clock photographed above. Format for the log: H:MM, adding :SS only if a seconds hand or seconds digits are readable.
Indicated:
11:49:06
